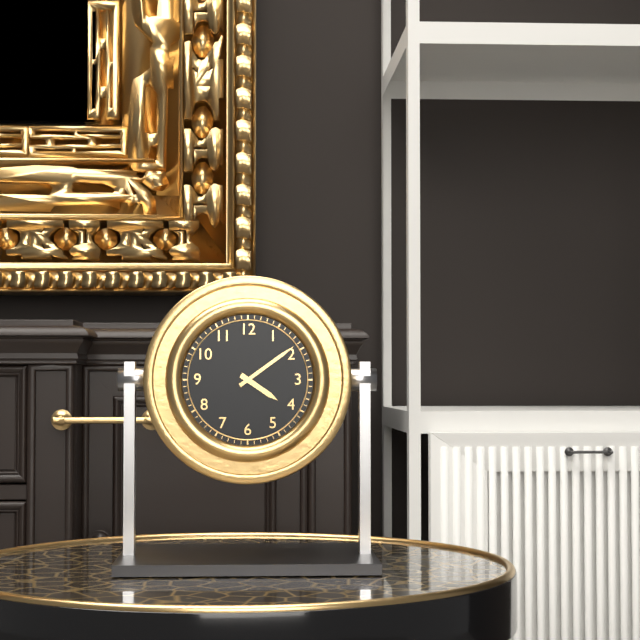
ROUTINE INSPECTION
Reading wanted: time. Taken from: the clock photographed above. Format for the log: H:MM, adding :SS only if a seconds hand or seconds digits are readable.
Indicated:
4:09
